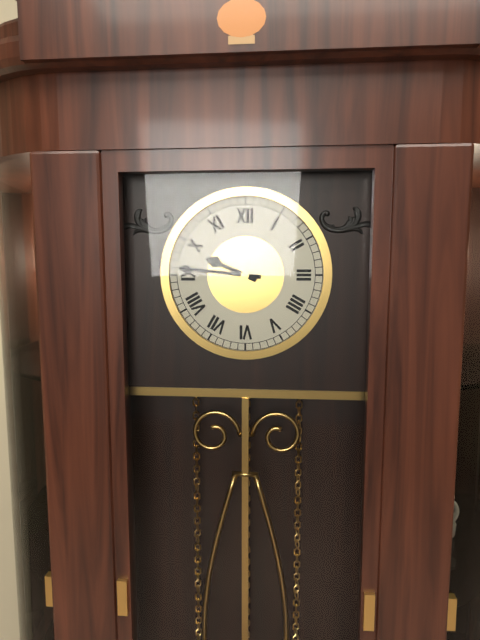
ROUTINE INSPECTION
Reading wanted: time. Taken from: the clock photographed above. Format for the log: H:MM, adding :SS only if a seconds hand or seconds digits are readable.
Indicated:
9:46
